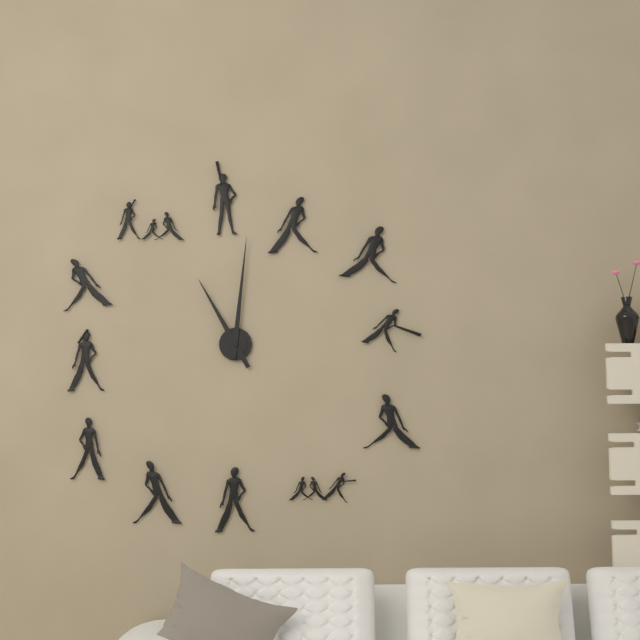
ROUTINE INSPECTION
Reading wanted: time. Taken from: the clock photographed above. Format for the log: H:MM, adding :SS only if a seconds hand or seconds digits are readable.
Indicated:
11:01
